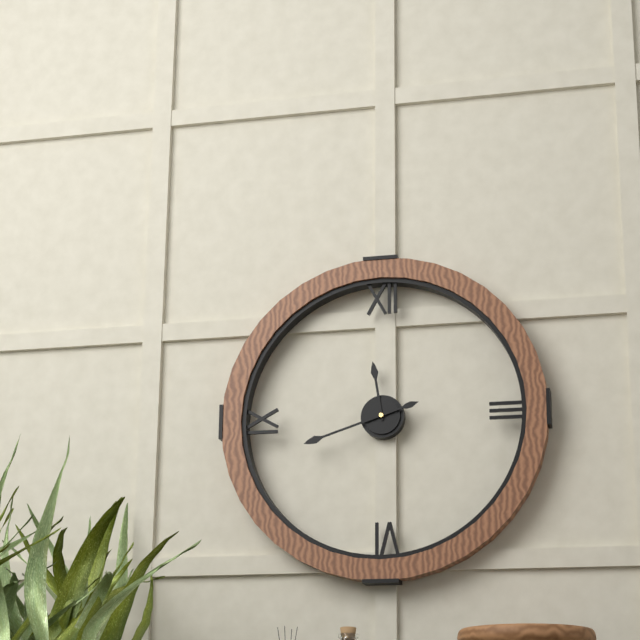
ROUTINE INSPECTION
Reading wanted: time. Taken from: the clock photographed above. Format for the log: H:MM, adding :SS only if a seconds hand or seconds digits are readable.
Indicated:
11:42
